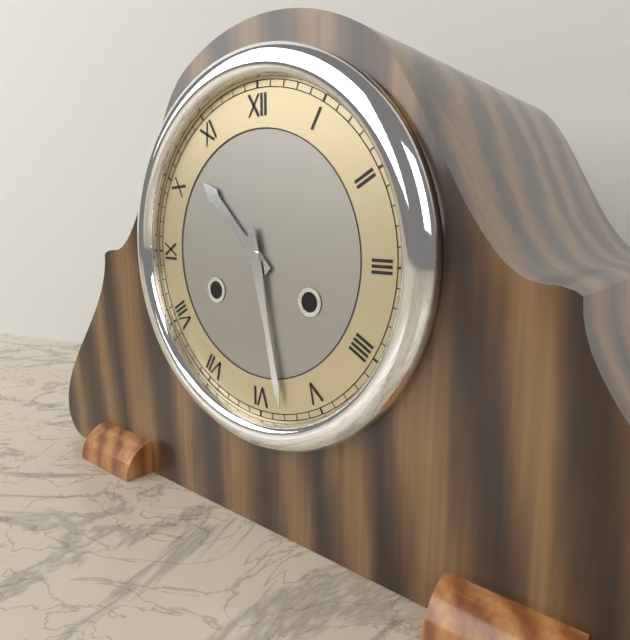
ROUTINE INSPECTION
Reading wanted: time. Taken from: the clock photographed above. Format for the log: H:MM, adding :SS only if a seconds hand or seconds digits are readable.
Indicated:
10:28
